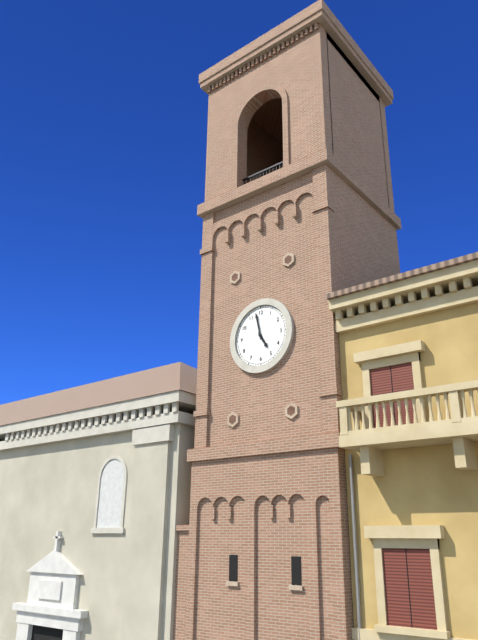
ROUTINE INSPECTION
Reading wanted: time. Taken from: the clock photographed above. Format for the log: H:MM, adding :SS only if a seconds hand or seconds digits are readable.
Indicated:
4:58
